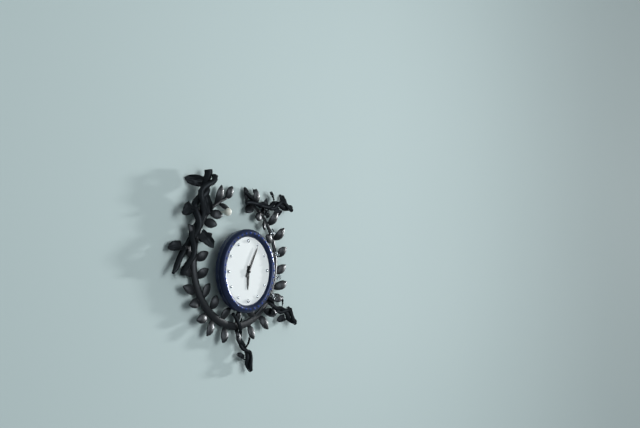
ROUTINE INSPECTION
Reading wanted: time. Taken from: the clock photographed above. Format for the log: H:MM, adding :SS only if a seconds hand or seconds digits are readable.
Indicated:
6:05
